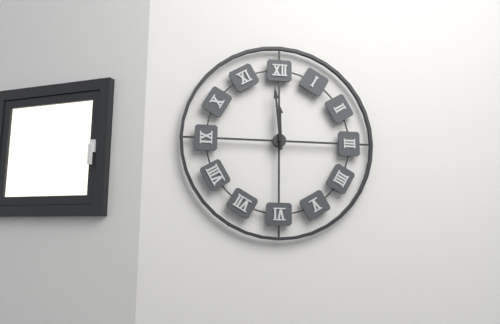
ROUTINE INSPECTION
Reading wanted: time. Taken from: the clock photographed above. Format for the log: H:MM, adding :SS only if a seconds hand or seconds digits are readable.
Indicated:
11:59
